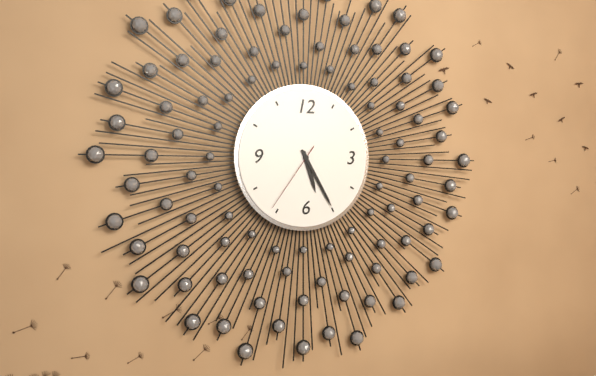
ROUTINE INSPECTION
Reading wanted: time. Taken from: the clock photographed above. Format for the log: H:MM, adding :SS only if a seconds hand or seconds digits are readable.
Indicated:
5:25:36
